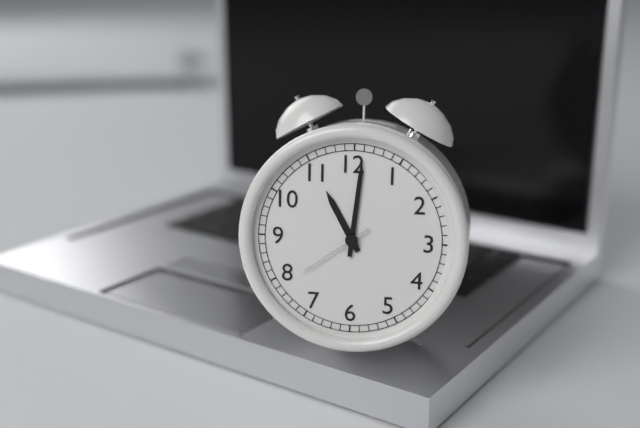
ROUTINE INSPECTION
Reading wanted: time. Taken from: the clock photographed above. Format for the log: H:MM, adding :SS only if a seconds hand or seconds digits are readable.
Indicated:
11:01:39
